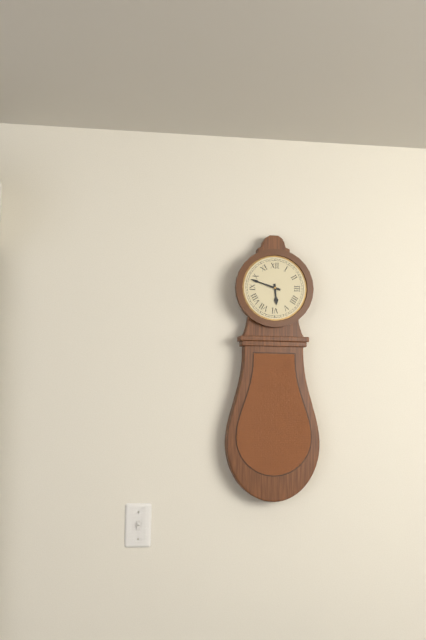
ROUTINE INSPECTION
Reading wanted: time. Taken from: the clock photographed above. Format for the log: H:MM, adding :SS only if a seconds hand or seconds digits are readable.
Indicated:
5:48
